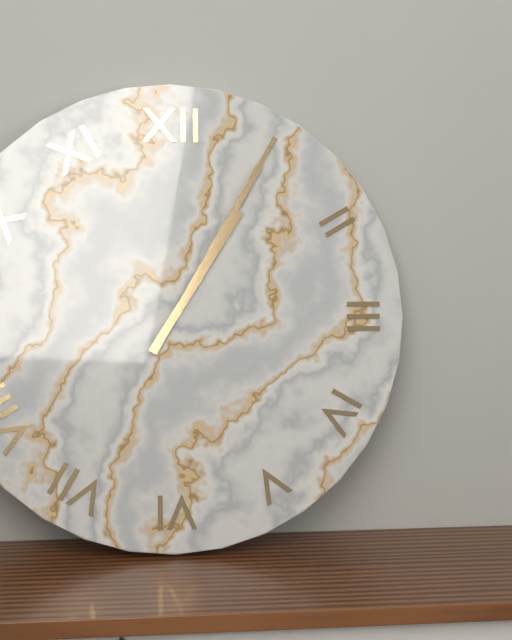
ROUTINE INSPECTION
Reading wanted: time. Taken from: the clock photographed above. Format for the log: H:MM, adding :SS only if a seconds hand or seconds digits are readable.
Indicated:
1:05
